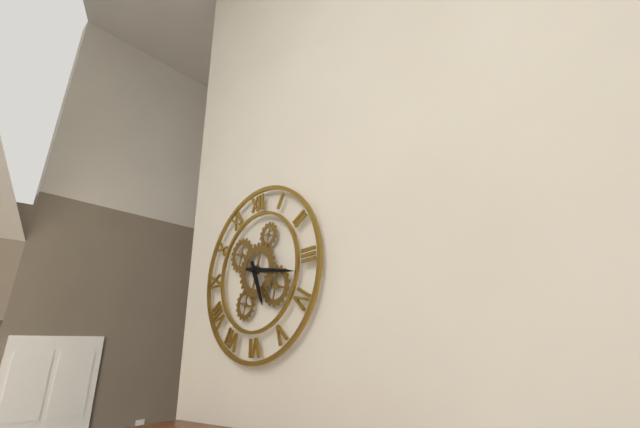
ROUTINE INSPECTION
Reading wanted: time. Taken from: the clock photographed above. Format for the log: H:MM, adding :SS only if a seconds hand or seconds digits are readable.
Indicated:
5:17
